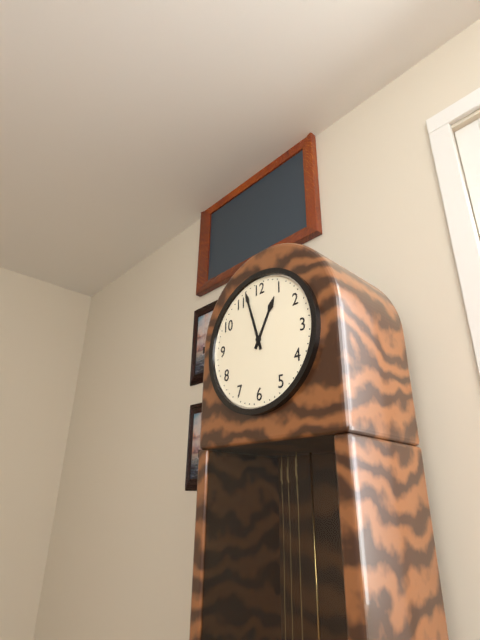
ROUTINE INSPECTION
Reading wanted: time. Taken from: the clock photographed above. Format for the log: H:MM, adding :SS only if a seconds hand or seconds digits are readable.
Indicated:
12:57
